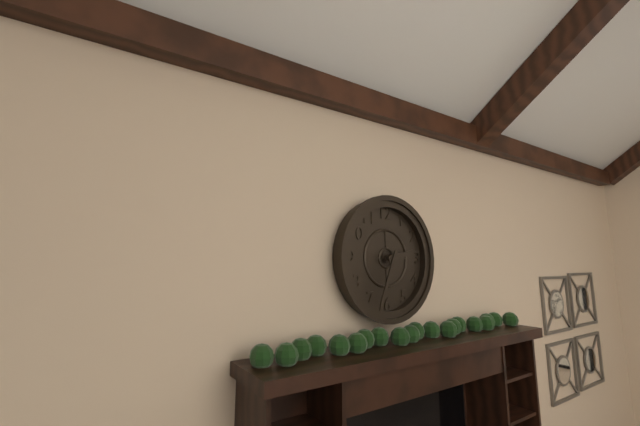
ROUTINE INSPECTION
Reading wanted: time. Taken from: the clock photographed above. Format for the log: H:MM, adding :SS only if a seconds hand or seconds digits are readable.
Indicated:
2:34
